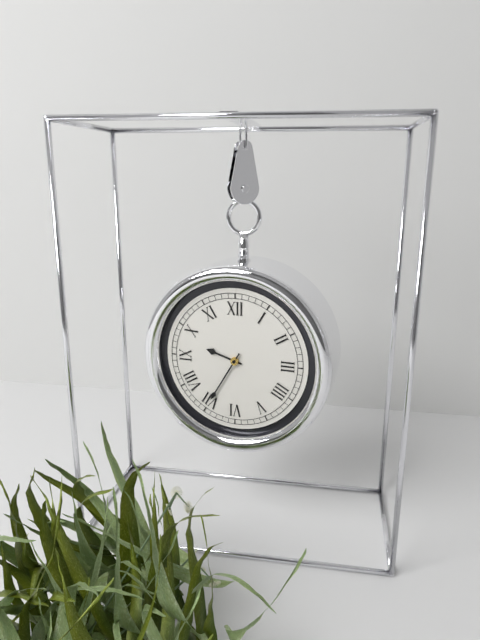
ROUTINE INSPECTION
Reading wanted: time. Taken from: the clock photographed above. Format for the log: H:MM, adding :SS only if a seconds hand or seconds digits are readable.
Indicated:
9:35
